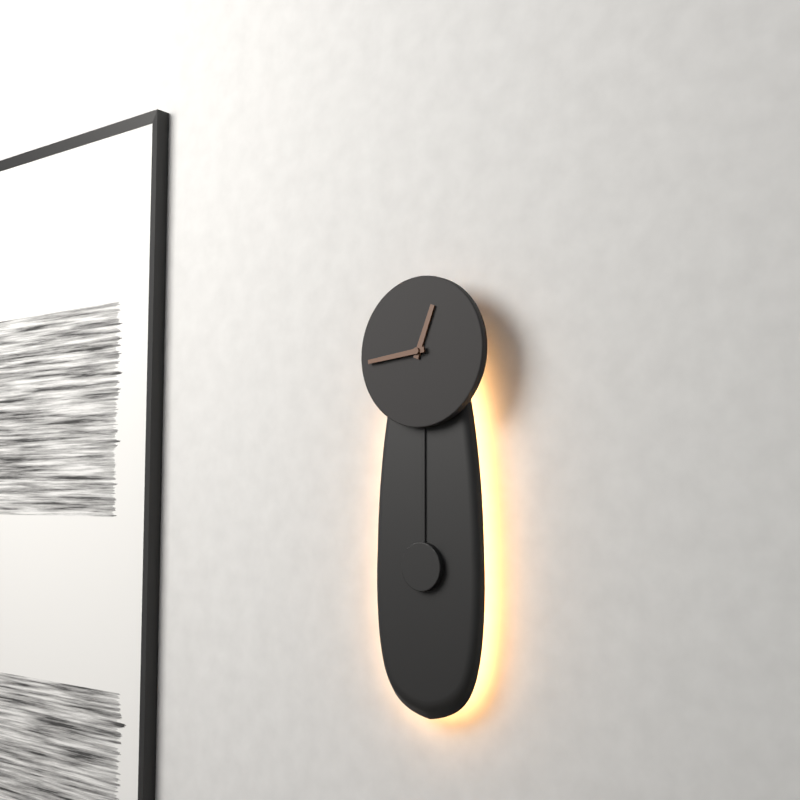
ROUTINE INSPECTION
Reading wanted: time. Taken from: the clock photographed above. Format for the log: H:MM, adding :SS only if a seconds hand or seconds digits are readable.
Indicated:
12:44
